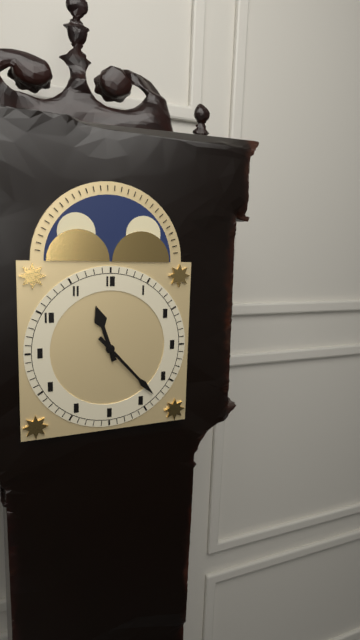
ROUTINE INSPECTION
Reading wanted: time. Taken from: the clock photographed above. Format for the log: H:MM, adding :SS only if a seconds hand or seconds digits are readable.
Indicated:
11:23
